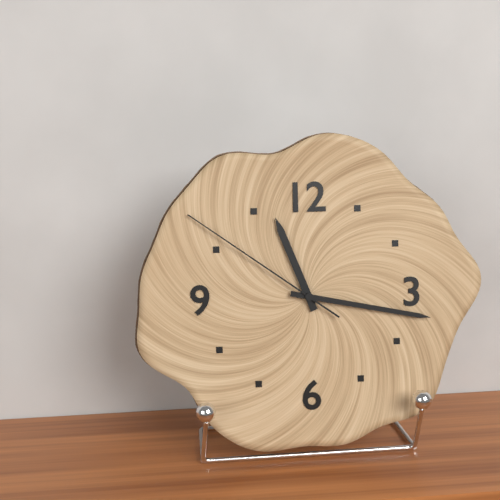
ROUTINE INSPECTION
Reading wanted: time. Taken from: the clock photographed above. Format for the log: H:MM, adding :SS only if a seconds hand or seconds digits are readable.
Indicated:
11:17:51
